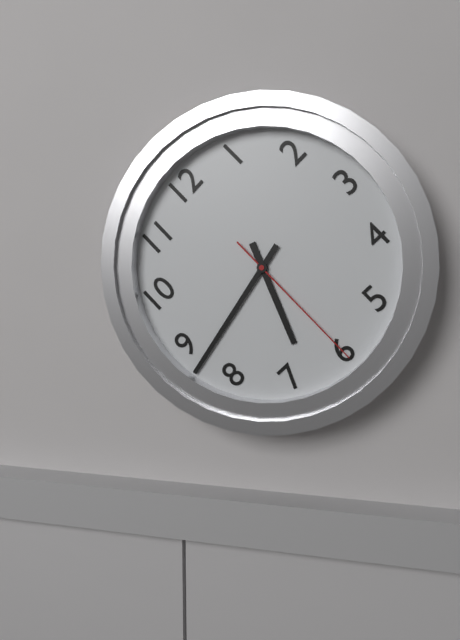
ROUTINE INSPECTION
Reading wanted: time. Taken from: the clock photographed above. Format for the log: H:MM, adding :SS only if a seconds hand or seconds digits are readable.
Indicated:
6:43:30
